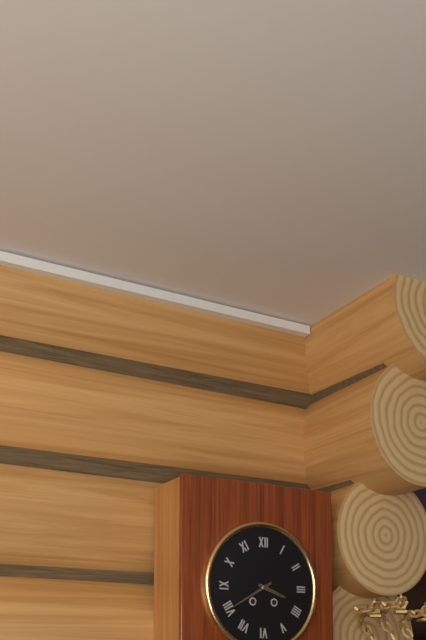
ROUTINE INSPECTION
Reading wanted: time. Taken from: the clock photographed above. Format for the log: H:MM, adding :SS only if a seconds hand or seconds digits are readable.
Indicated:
3:40
